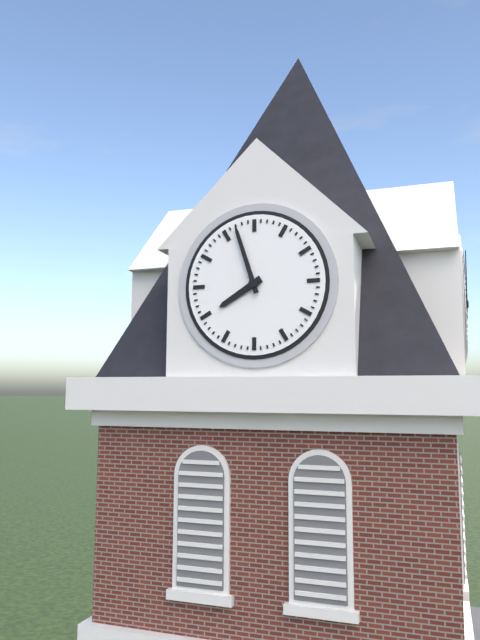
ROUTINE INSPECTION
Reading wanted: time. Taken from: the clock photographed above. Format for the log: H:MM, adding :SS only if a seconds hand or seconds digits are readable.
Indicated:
7:57
